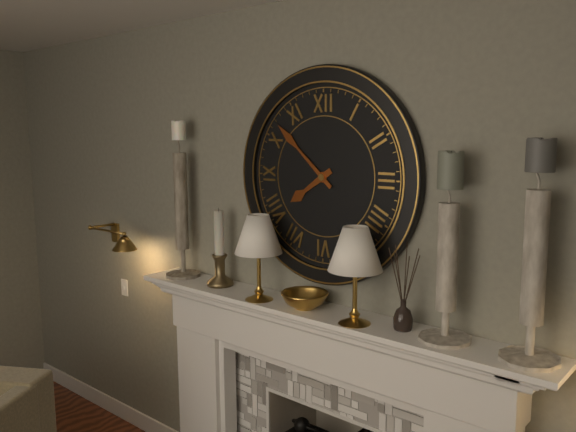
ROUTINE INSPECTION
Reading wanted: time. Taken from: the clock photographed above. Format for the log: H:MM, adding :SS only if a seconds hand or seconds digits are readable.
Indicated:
7:52
